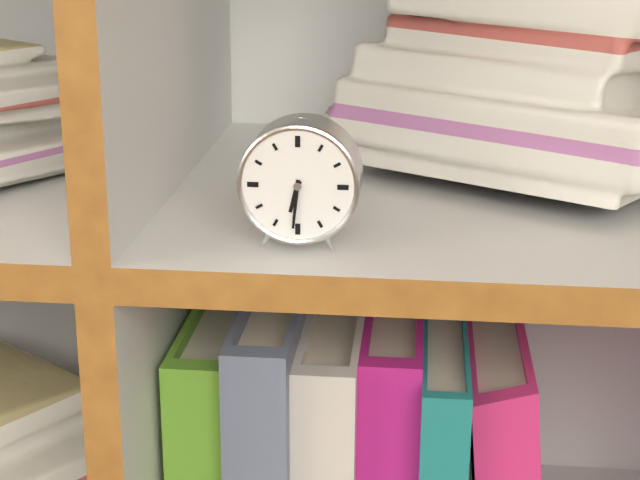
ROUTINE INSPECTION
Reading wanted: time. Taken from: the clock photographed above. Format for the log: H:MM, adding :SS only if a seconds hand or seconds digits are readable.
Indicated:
6:31
